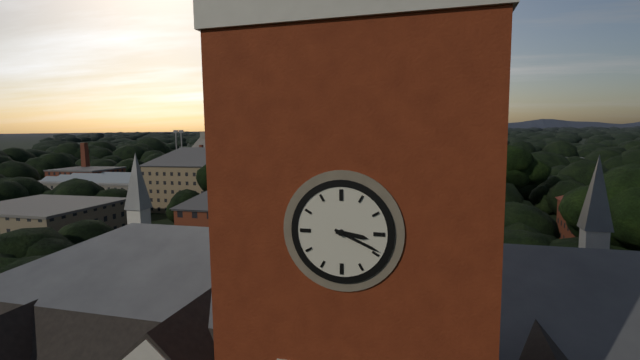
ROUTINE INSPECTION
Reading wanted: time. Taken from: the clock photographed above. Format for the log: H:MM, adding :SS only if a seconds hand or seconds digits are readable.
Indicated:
3:19
